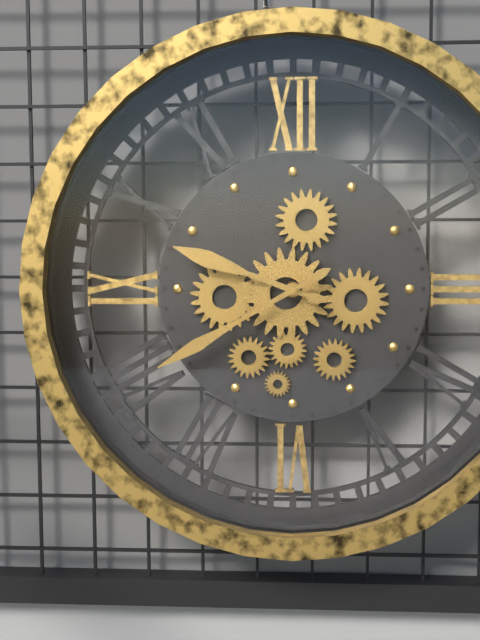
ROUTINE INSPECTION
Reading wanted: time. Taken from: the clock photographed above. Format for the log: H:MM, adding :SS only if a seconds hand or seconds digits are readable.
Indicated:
9:40
